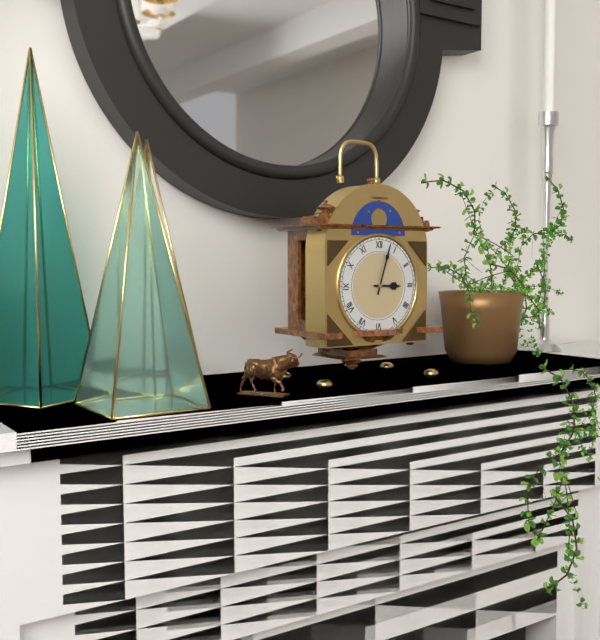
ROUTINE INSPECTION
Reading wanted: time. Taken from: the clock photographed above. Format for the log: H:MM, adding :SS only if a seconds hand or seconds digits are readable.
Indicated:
3:03
